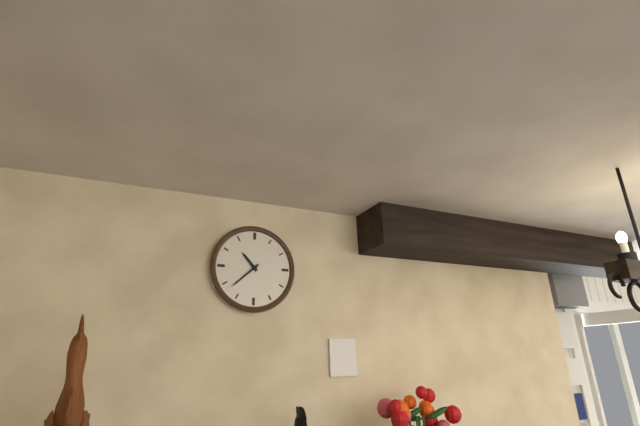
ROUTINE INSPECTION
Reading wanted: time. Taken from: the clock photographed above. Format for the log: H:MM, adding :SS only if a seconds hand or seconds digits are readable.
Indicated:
10:38
